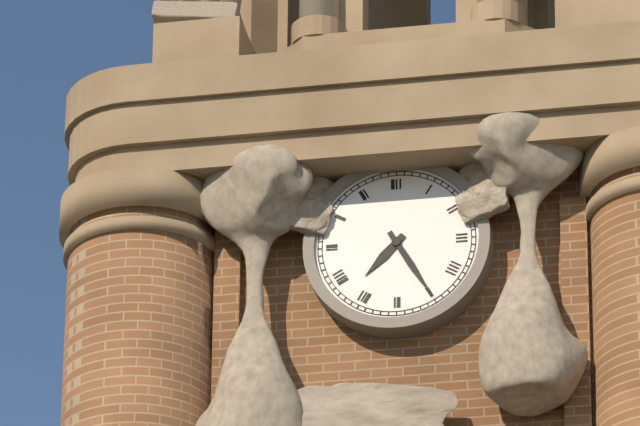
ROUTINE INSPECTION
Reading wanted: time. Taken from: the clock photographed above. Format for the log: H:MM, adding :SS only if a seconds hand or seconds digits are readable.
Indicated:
7:25
